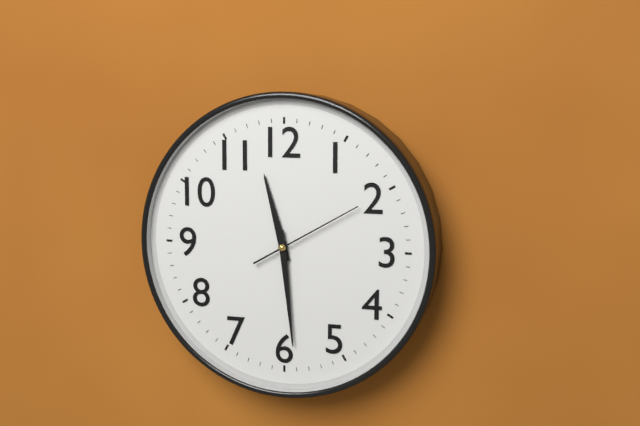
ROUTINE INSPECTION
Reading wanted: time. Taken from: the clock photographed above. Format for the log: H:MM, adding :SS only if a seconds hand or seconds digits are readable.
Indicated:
11:29:10
